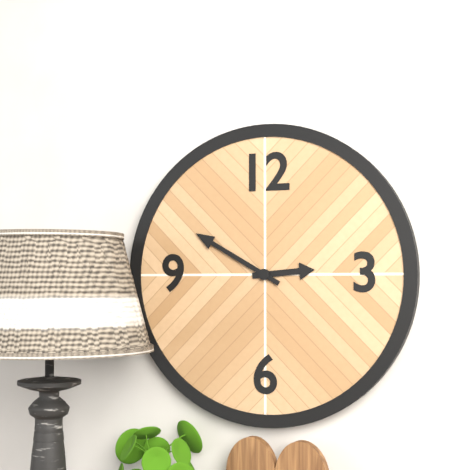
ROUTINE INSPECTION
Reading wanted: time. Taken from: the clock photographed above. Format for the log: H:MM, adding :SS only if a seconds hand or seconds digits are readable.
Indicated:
2:50
